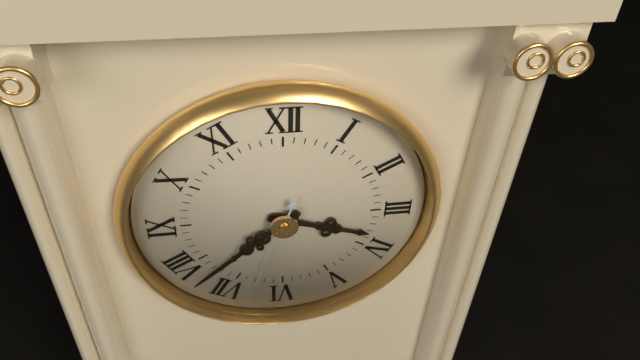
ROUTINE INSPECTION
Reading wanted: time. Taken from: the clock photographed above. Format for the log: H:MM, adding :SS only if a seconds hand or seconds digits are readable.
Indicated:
3:38:33
